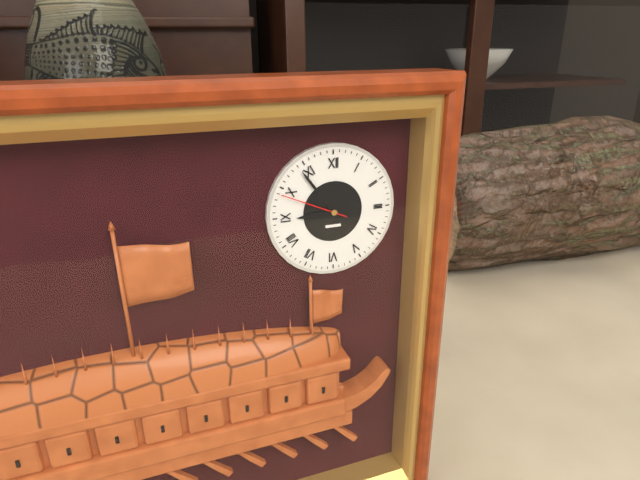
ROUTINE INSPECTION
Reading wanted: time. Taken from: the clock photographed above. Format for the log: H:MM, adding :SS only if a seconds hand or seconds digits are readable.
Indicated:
8:54:49
